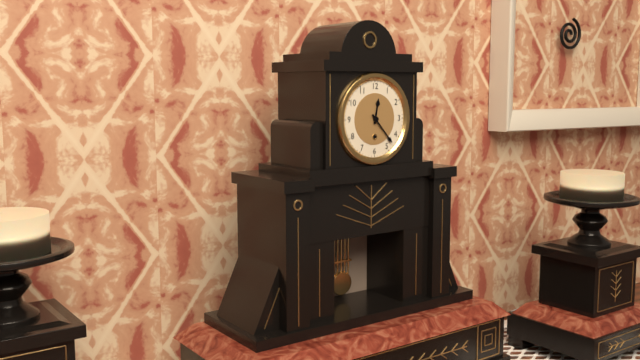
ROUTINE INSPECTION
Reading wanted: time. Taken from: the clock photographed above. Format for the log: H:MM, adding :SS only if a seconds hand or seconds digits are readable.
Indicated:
12:23
